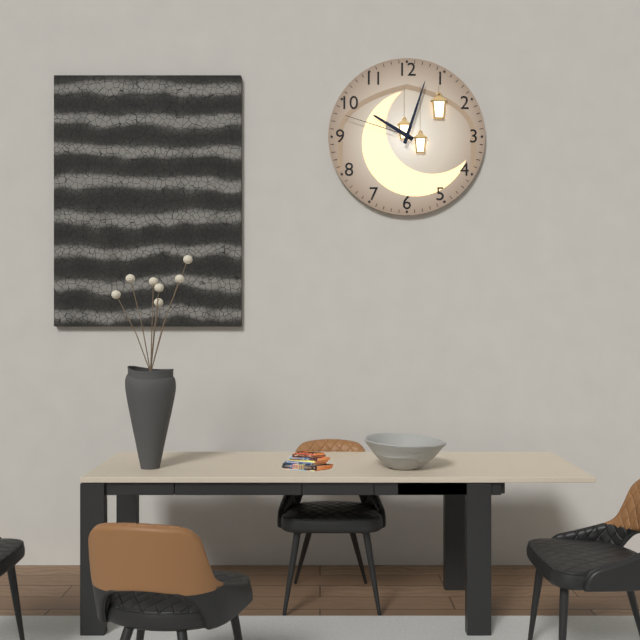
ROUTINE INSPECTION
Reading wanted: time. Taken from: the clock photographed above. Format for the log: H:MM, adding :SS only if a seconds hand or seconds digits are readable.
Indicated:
10:03:48
